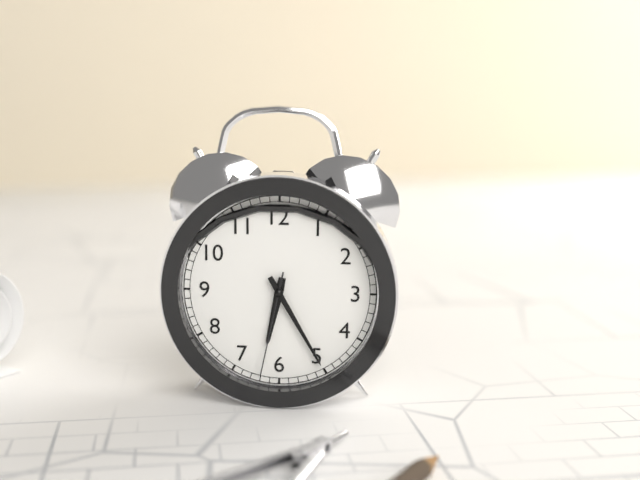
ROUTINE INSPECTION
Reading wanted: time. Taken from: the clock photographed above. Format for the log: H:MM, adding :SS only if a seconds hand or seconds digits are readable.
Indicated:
6:25:32
